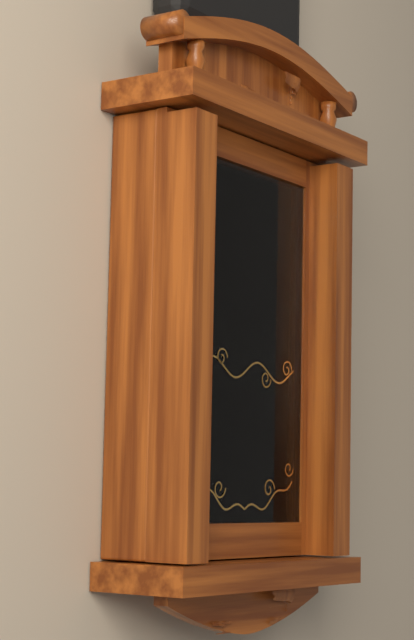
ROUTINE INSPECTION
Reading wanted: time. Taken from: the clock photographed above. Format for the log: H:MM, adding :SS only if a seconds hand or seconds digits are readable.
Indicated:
4:23:51
